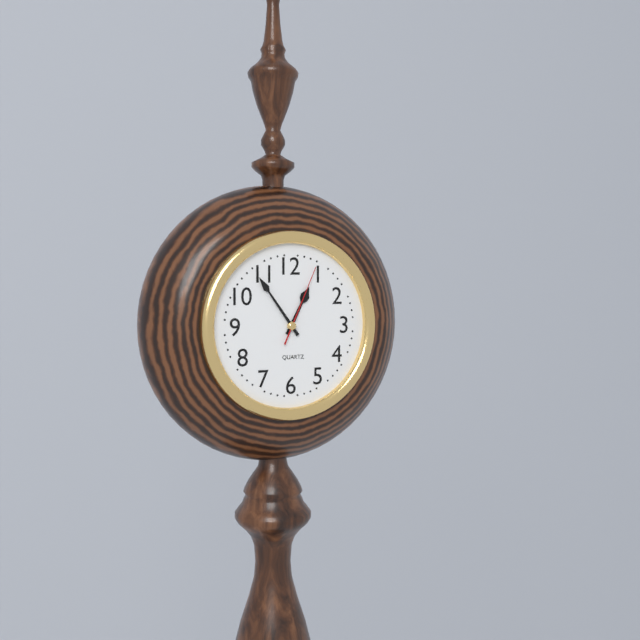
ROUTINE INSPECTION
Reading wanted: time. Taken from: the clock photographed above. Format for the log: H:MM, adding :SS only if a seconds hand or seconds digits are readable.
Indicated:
12:54:04
